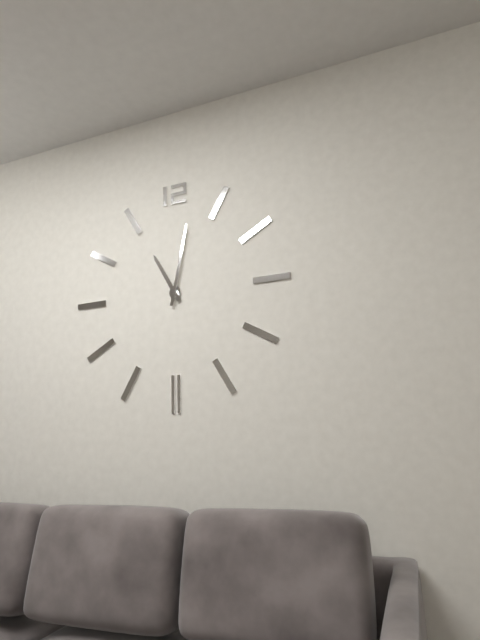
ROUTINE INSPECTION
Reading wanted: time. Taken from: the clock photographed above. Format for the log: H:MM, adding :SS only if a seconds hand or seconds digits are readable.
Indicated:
11:02
